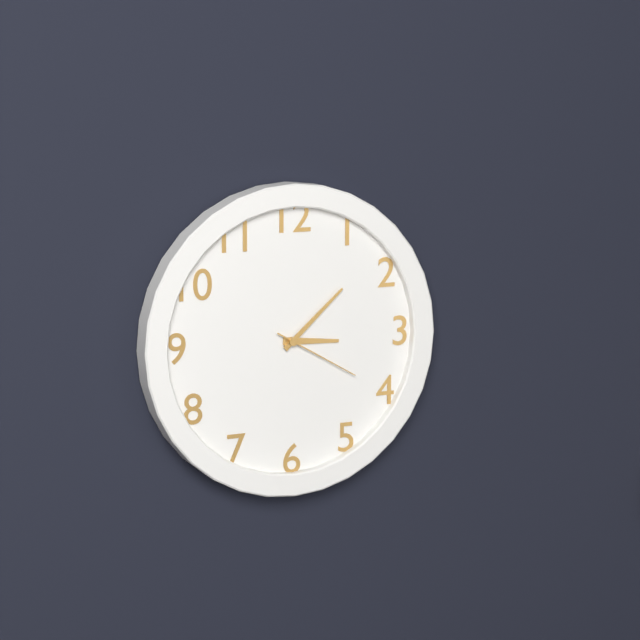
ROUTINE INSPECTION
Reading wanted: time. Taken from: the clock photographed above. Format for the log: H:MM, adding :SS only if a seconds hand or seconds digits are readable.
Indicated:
3:08:20
